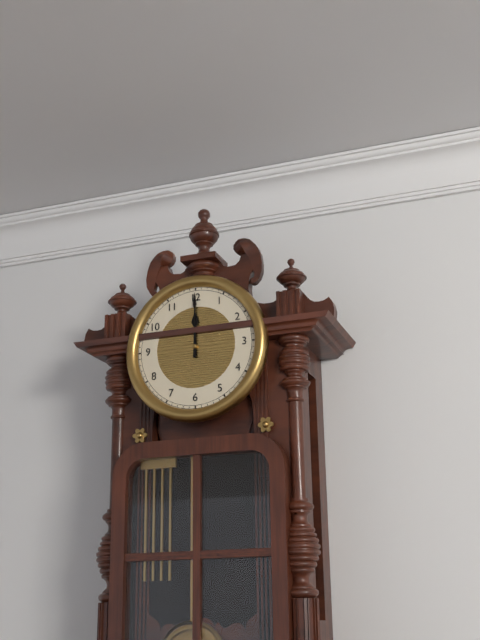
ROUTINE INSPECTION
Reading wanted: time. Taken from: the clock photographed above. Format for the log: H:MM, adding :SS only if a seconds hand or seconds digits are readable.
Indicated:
12:00
